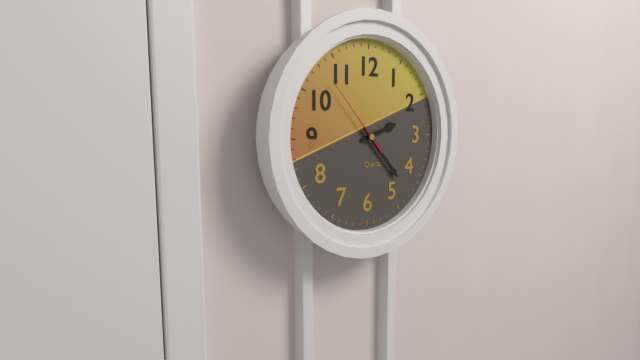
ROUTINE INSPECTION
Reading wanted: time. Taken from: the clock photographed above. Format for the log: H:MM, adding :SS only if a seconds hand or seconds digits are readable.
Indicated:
2:23:53
